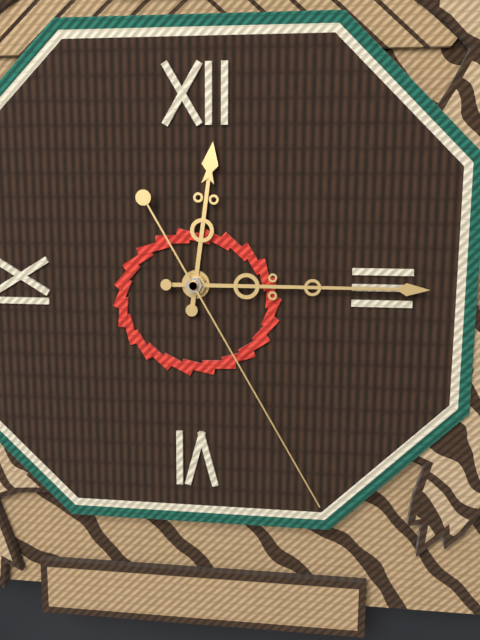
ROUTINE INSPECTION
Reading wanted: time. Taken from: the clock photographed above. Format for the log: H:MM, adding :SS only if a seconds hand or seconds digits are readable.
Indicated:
12:15:25
